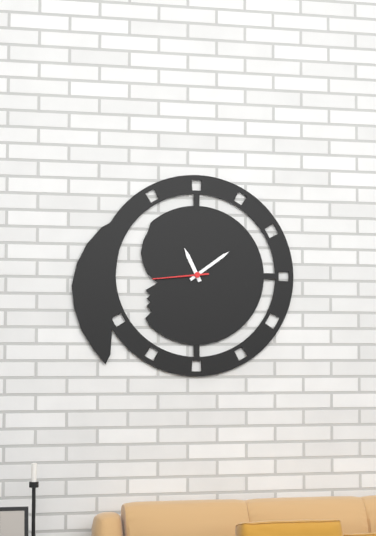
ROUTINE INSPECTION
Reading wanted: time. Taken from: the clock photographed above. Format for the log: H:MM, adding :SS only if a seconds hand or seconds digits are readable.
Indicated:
11:09:44
